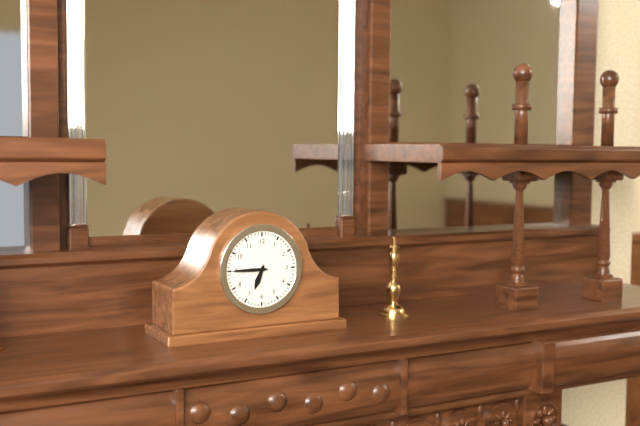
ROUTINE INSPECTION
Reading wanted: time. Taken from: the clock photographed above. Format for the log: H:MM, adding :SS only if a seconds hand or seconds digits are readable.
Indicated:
6:45
